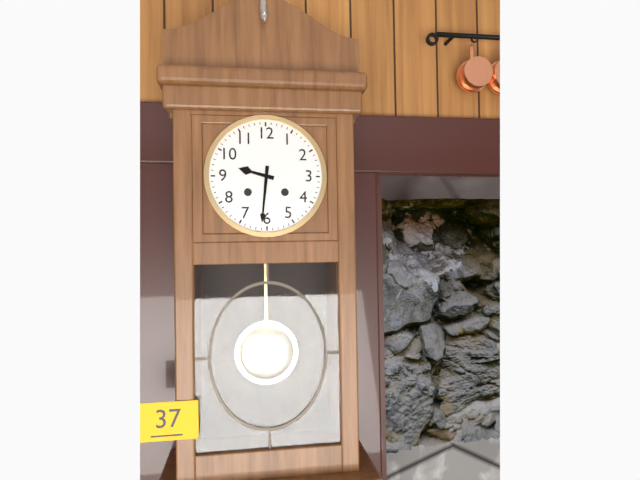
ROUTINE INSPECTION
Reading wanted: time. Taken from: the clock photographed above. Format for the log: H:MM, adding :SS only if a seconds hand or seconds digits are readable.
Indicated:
9:31
